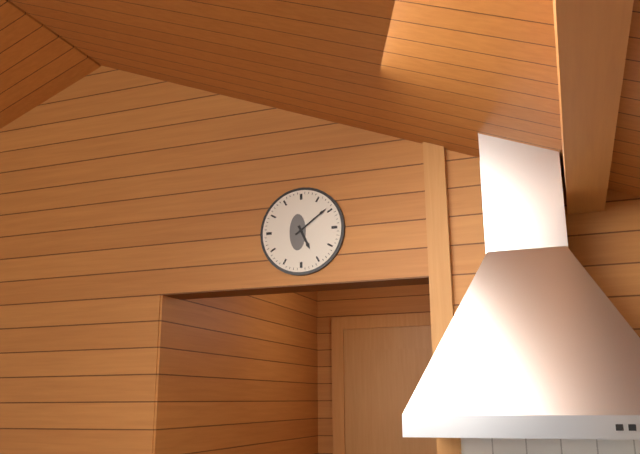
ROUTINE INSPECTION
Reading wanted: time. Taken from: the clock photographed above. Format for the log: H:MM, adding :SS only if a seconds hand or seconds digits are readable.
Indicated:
5:09
